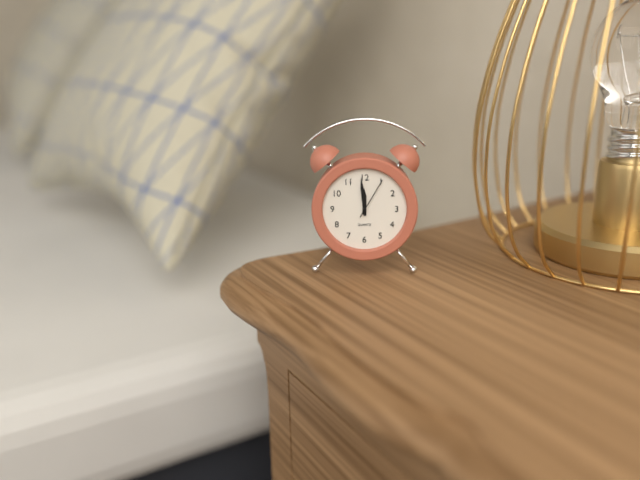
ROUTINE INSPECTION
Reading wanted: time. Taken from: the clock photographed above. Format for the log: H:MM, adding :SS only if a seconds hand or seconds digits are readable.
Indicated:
11:59
